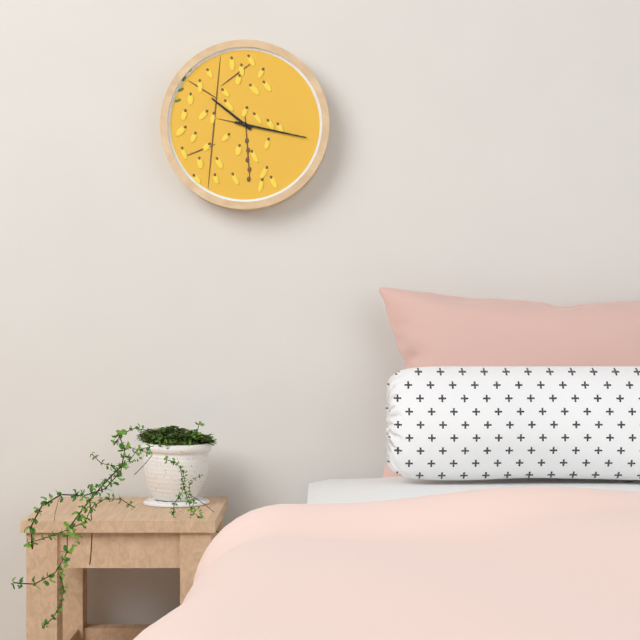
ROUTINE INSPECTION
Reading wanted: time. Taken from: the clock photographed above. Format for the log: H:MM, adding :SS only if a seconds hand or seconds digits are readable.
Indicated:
10:17
